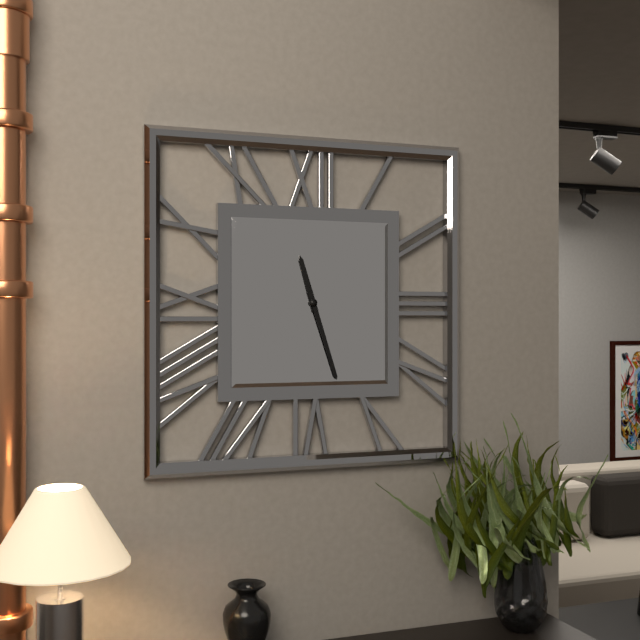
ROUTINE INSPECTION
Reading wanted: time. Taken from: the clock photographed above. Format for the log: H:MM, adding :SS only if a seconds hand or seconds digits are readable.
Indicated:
11:27
